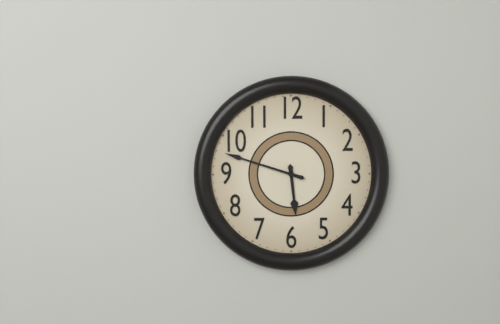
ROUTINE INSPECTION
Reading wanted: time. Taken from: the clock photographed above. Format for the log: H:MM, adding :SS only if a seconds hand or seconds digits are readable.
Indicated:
5:48
